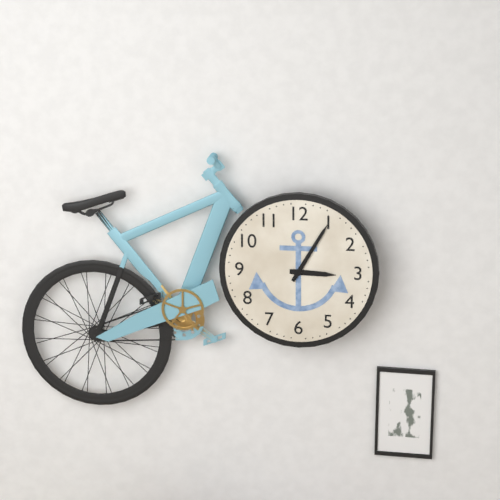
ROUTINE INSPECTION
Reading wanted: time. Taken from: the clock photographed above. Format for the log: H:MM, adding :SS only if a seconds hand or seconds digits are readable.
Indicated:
3:05
